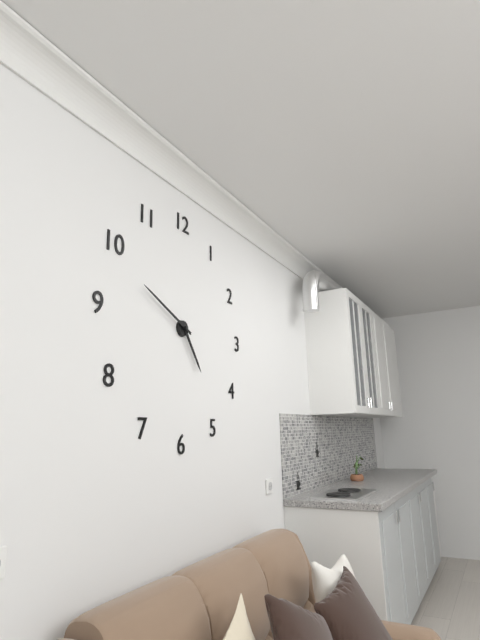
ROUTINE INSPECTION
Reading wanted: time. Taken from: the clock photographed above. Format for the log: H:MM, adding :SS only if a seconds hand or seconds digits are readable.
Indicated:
4:49
